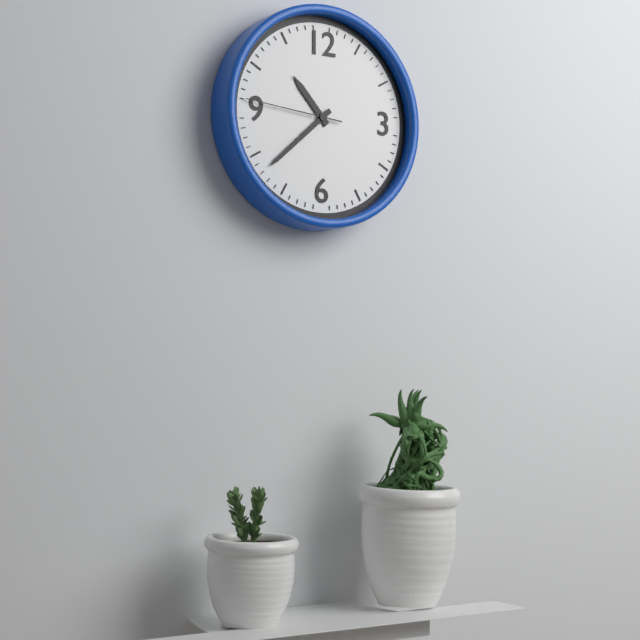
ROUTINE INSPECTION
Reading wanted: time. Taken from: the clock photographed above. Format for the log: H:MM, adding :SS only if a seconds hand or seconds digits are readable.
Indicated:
10:38:46
